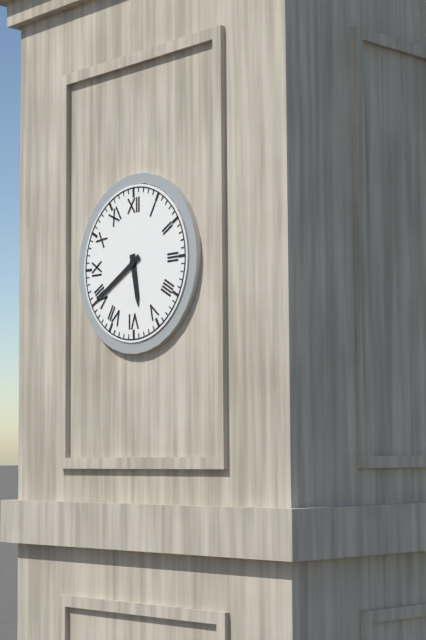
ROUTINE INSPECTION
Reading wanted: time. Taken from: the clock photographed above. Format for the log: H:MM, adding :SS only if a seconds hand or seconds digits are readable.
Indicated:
5:40
